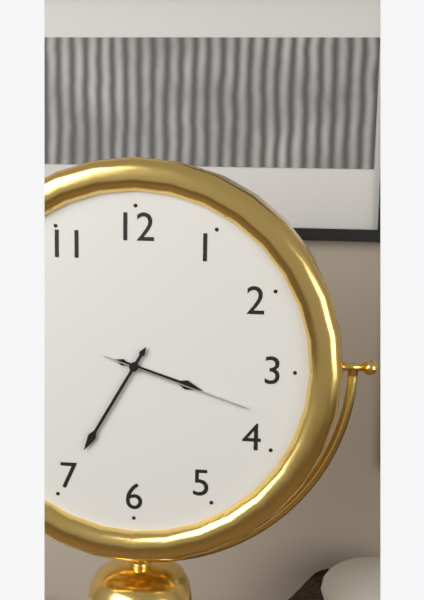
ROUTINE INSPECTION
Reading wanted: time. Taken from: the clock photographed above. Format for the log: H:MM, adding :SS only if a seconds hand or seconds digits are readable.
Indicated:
3:35:18
